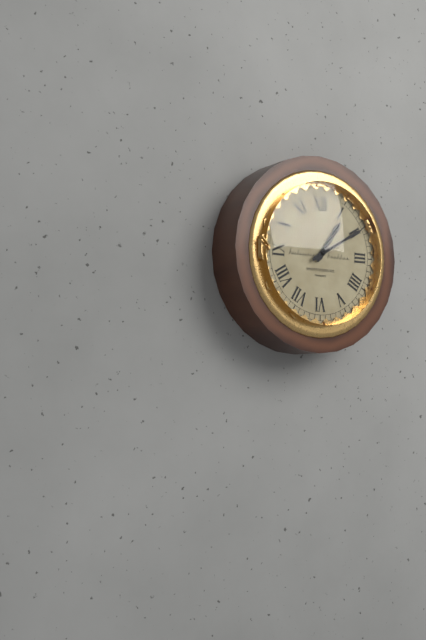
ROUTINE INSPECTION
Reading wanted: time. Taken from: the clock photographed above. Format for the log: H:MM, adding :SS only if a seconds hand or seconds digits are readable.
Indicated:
1:10
